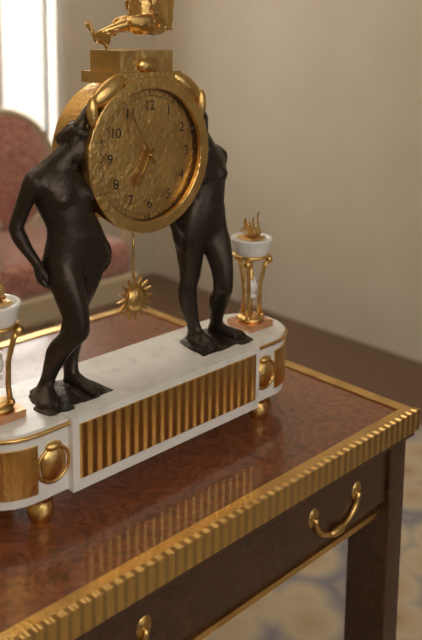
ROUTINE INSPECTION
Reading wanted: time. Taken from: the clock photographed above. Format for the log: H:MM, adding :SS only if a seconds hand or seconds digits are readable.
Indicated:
6:55
